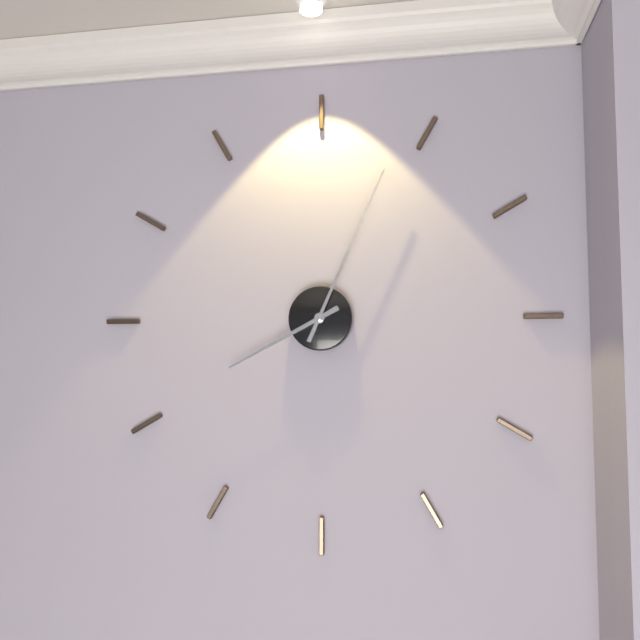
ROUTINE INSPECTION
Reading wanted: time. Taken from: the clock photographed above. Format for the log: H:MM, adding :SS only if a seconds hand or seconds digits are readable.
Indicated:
8:04
